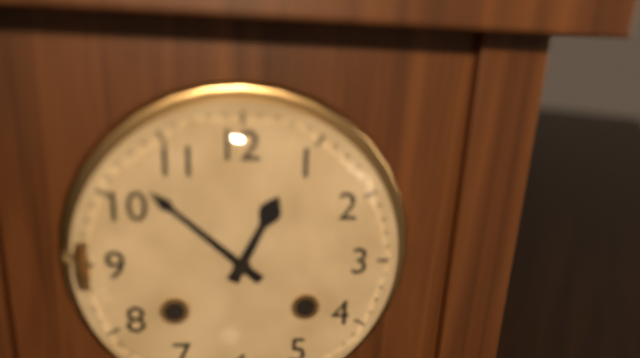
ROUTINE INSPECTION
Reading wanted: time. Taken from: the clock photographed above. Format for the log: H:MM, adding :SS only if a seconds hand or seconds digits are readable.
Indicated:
12:52
